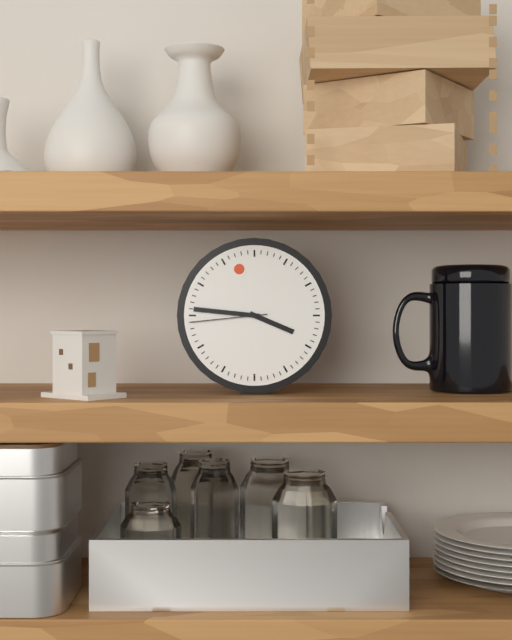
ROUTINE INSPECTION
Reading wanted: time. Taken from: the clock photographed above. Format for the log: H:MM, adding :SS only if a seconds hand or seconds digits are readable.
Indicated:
3:46:44
